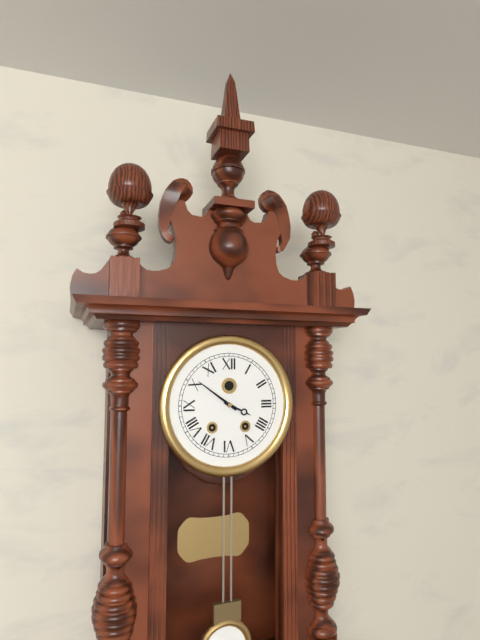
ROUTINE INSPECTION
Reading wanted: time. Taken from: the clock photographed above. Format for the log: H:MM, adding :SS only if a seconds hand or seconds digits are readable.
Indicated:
3:51
